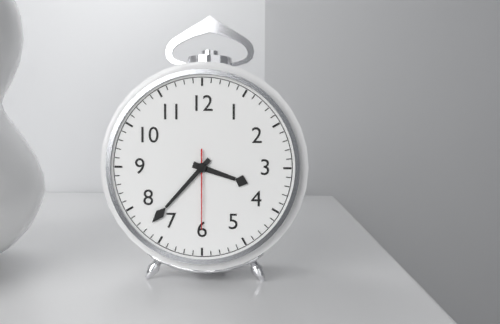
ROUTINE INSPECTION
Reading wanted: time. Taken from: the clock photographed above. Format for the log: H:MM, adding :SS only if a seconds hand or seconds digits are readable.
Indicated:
3:37:30
